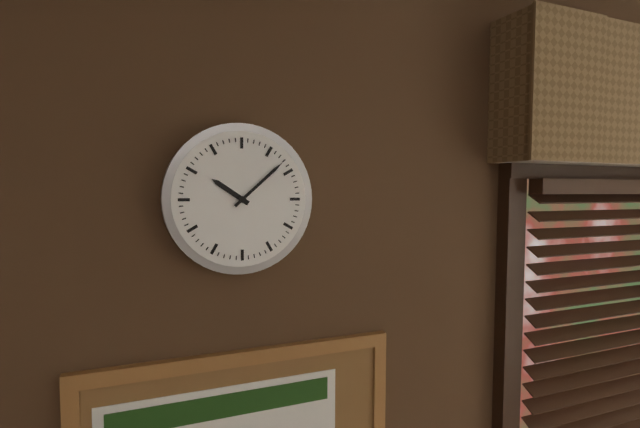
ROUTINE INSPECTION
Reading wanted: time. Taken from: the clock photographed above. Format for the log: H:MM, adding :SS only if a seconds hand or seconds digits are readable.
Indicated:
10:08
